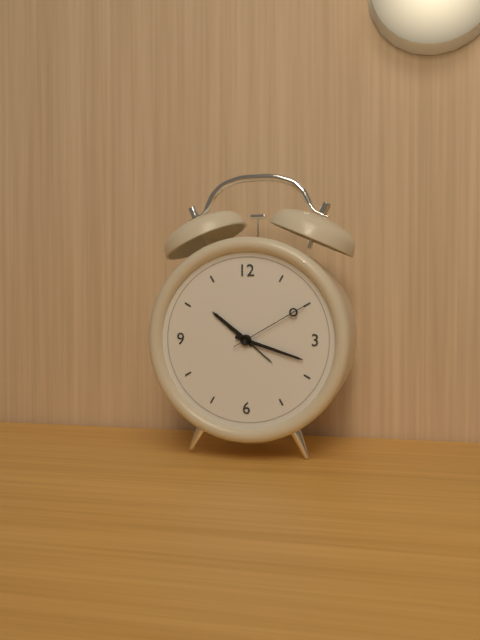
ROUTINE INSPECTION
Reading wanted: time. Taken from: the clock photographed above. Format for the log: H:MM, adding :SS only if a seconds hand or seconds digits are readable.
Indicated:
10:18:10
